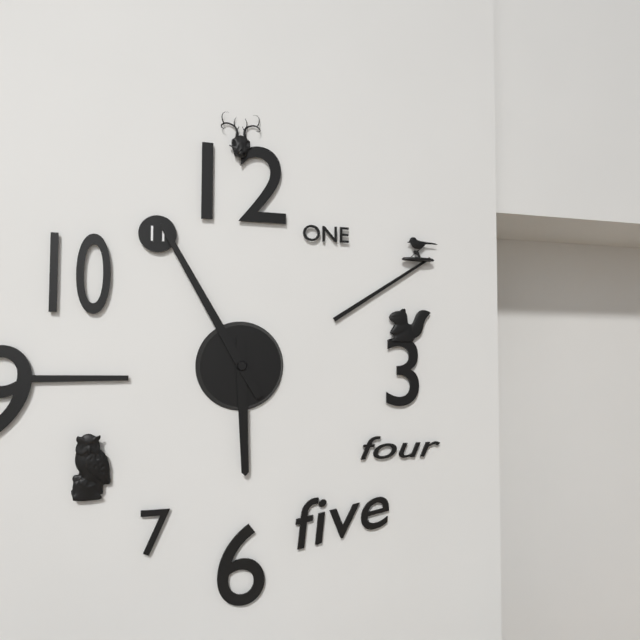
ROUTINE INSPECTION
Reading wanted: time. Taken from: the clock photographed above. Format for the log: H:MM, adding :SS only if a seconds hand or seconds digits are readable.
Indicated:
5:55
